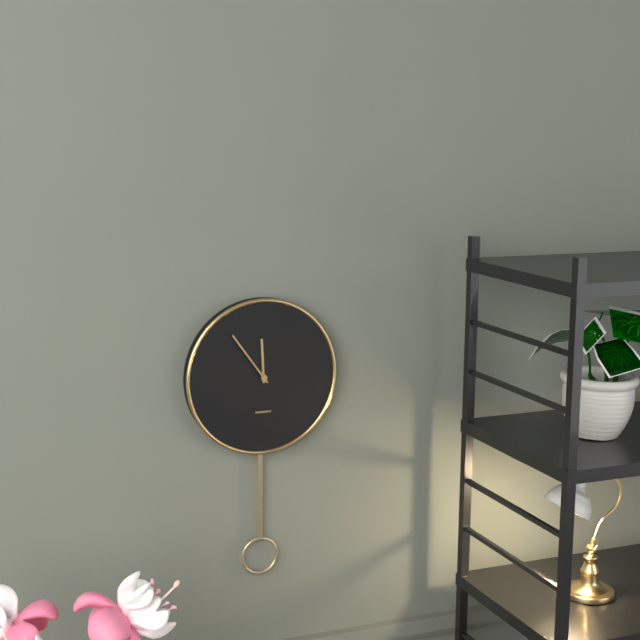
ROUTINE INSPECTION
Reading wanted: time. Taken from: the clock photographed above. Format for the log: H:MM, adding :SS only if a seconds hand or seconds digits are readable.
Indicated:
11:54
